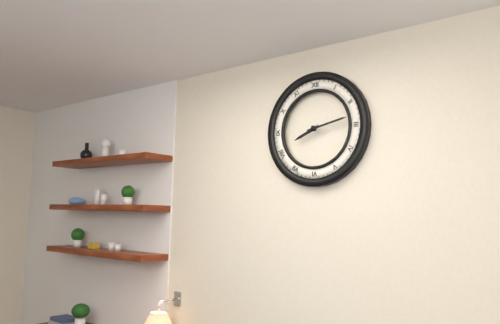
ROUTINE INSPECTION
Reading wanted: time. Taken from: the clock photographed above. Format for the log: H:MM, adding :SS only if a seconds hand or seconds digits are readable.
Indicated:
8:13
